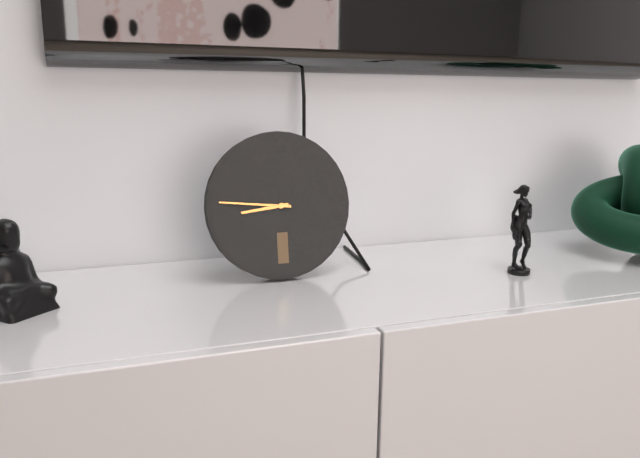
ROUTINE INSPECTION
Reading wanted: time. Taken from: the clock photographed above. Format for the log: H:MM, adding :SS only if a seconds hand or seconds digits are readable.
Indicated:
8:46
